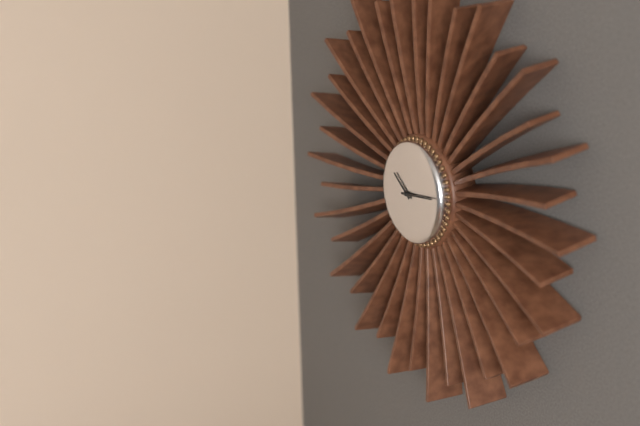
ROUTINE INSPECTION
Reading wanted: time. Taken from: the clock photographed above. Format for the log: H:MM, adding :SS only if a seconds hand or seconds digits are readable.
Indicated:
10:14
